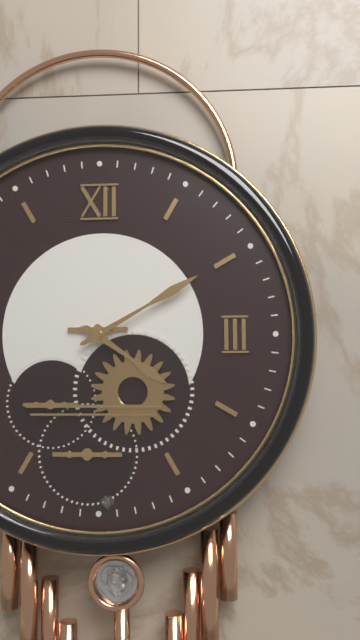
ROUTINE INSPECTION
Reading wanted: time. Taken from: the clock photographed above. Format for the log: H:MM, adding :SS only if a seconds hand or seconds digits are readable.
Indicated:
4:10
